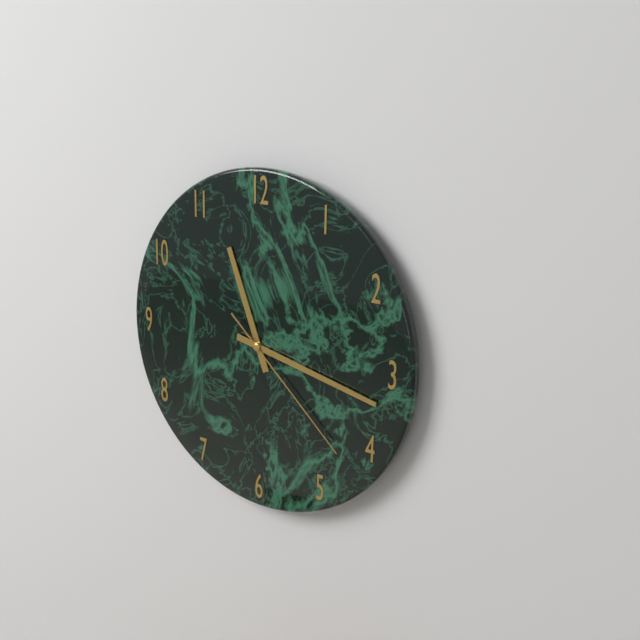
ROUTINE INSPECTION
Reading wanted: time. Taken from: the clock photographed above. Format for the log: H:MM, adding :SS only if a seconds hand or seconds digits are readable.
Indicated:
11:17:22
